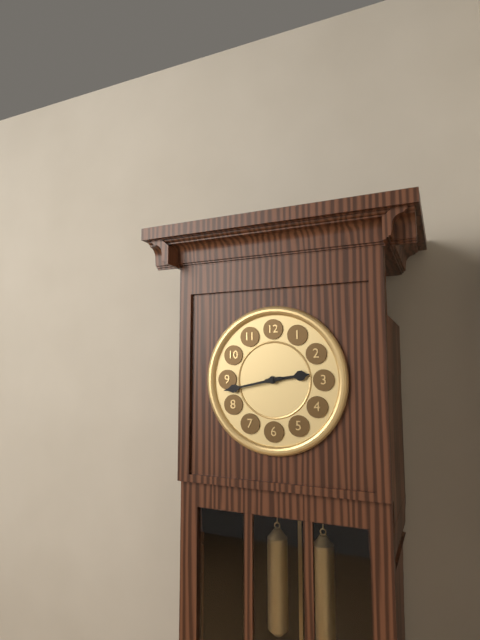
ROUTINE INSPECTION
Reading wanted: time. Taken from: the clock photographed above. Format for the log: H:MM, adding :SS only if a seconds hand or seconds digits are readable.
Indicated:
2:43
